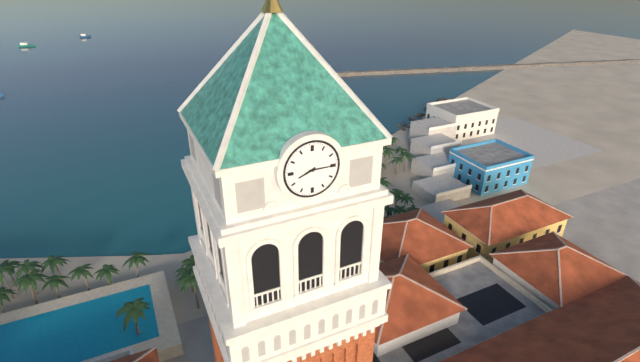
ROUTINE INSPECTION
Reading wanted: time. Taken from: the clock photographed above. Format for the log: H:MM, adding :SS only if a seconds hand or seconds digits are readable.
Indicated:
8:15
